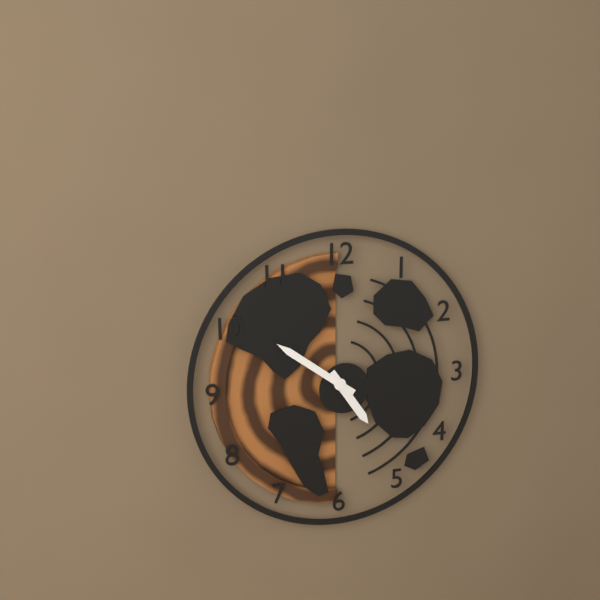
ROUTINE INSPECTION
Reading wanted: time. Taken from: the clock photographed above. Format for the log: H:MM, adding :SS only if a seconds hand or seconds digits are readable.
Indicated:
4:51
